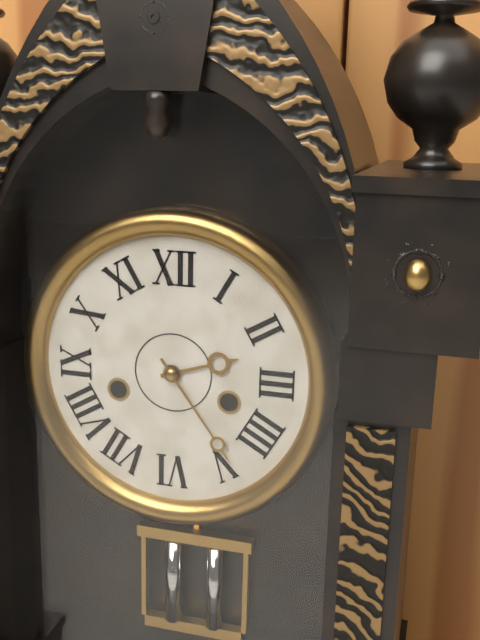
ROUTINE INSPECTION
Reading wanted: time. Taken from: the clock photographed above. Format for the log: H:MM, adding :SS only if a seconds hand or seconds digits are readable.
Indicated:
2:24
